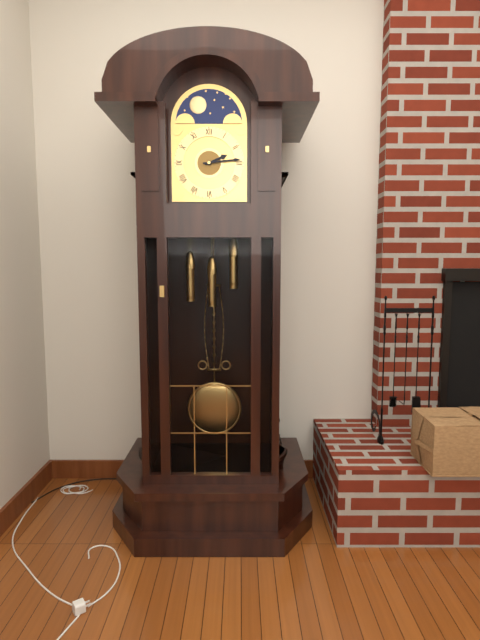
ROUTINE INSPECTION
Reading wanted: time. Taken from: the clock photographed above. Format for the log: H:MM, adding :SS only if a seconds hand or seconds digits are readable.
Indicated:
2:14
